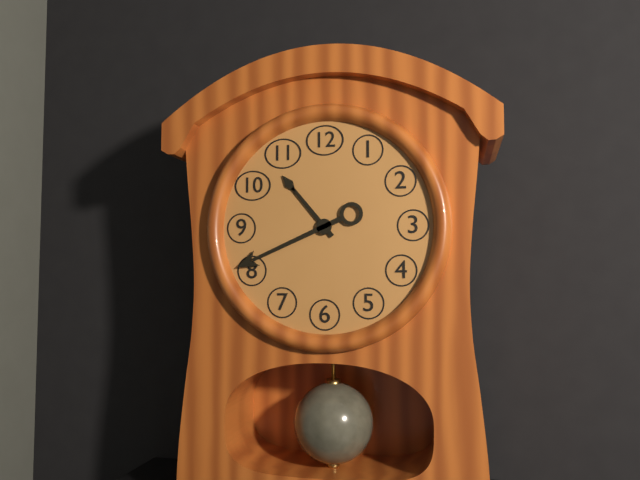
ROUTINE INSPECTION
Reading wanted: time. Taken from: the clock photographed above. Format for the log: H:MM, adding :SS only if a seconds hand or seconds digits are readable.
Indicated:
10:41
